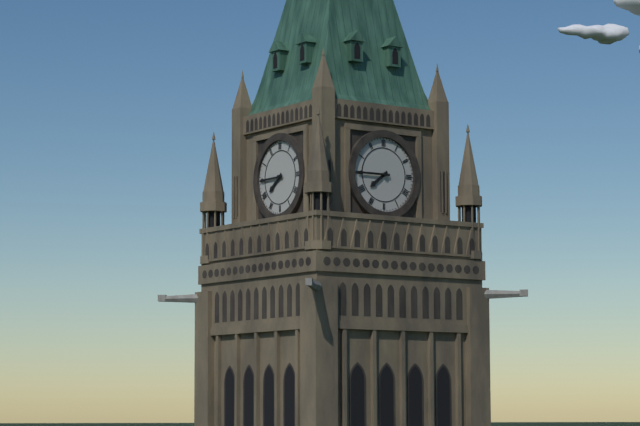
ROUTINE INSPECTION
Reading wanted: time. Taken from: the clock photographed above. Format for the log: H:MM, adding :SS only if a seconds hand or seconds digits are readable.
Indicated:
7:45
